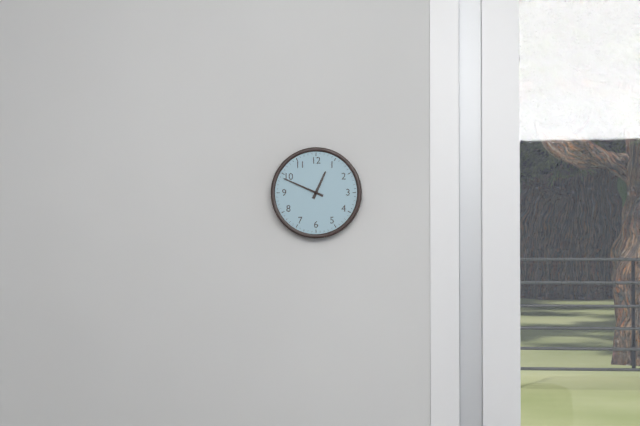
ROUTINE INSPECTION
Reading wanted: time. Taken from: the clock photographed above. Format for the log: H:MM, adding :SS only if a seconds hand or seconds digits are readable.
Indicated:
12:49
